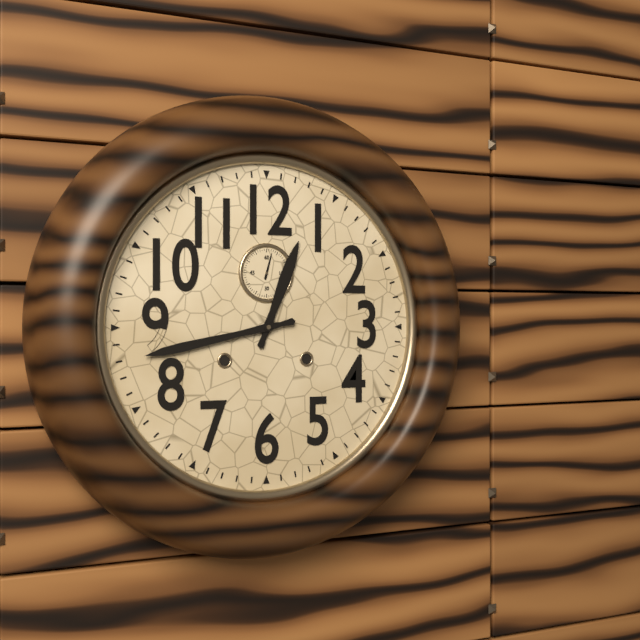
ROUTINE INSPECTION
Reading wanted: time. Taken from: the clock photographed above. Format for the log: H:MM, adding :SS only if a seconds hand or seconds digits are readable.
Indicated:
12:43
